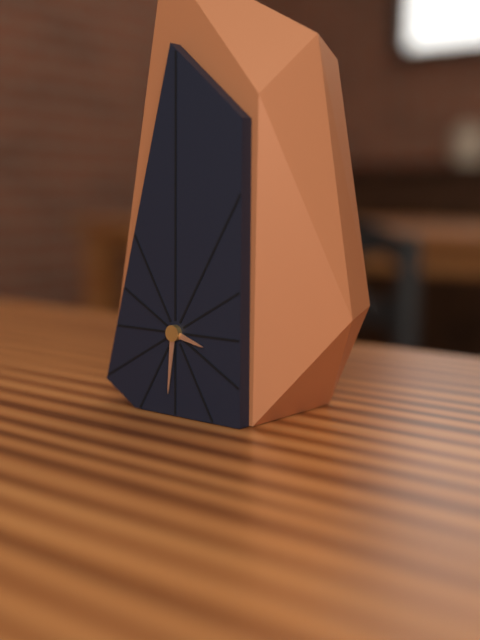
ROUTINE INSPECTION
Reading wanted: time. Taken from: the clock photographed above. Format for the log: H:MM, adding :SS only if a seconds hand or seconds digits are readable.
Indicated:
3:31
